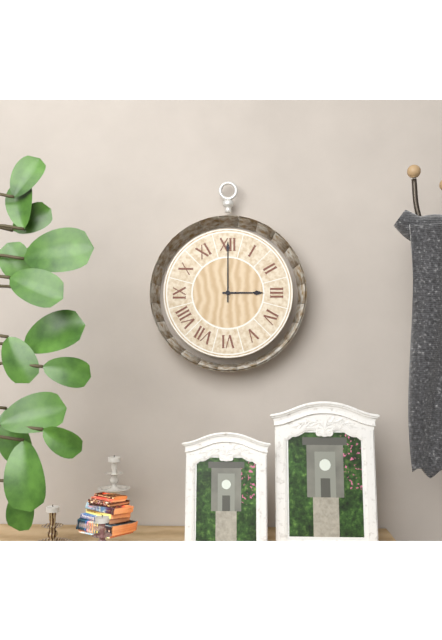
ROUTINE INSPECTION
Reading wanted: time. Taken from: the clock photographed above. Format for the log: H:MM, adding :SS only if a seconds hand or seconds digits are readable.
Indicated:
3:00
